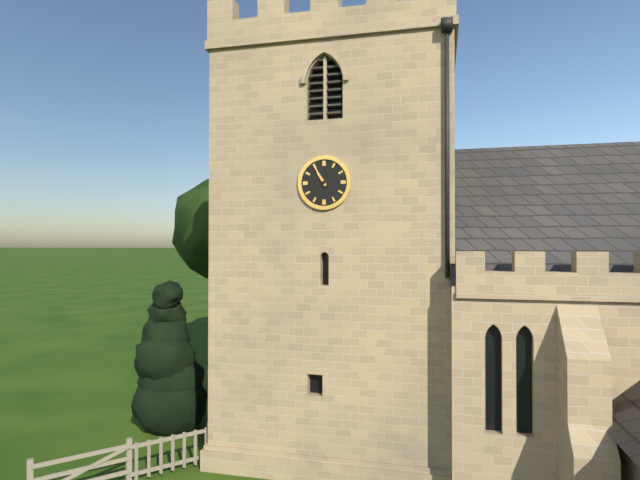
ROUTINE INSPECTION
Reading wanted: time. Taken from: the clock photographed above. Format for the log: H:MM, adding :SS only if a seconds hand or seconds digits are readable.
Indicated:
10:55
